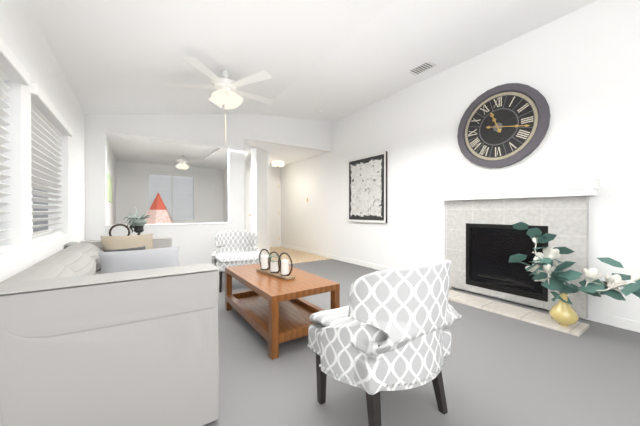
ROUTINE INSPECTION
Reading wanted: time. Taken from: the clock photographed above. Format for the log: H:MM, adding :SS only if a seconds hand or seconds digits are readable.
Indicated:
11:17
